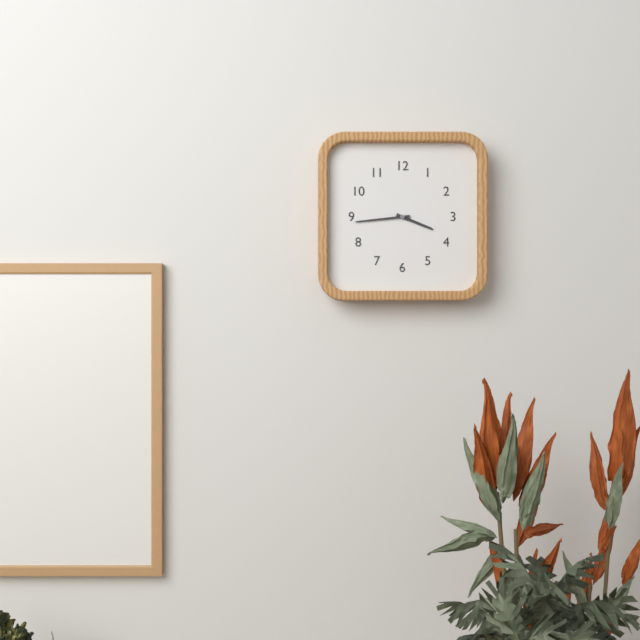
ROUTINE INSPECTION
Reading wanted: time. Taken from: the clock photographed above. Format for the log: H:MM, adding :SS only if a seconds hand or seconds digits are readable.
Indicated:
3:44
